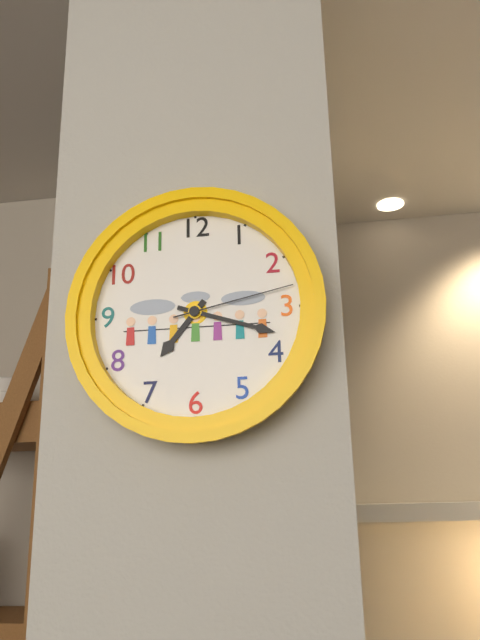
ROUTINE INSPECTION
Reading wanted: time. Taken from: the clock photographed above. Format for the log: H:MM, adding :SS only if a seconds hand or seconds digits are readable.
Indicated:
7:18:13
